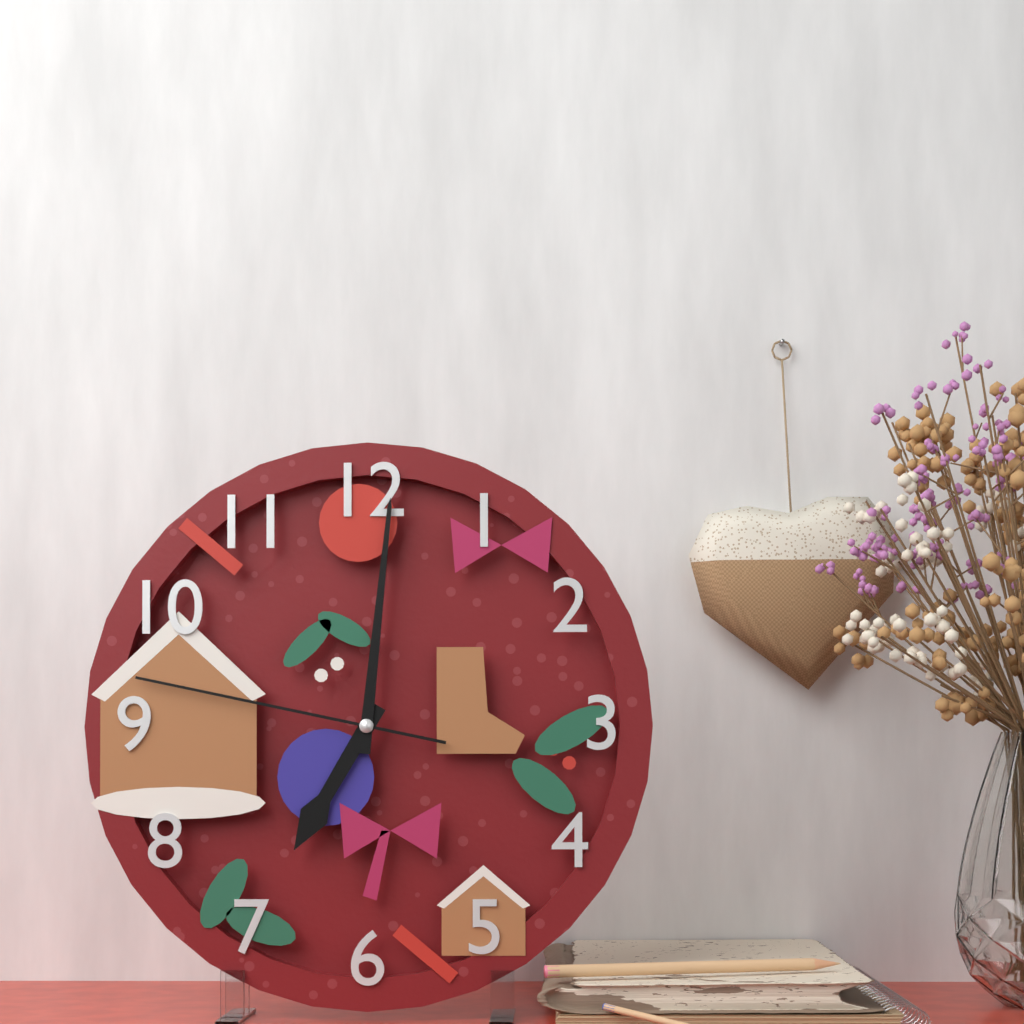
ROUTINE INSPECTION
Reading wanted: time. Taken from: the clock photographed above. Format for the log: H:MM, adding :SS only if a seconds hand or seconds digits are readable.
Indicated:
7:01:47
